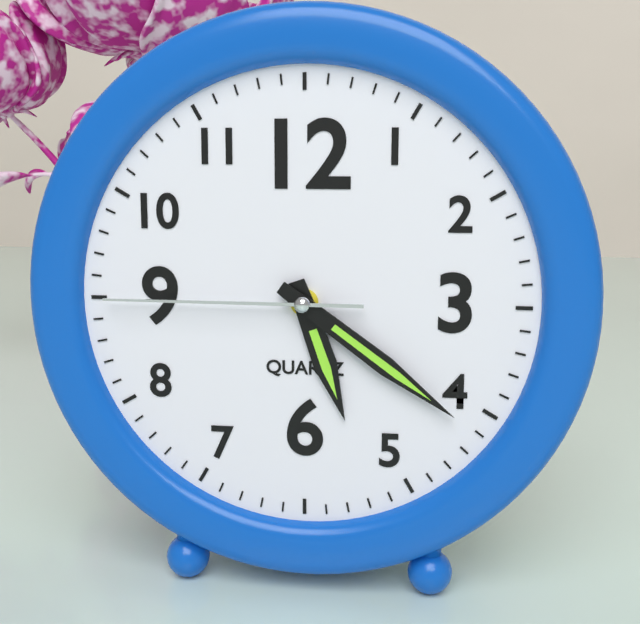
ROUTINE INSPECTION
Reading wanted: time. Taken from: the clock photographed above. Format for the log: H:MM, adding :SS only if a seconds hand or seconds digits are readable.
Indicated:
5:21:45
